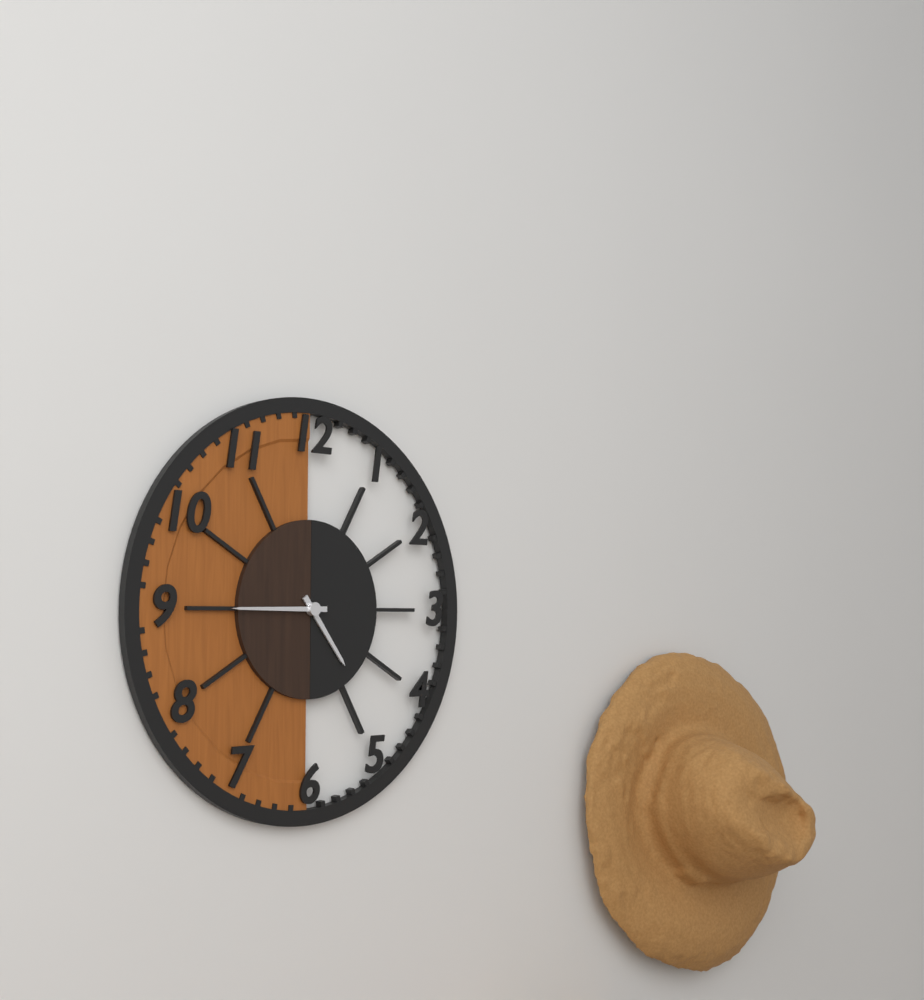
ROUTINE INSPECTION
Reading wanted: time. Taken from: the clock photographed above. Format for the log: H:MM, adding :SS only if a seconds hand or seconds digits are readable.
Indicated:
4:45
